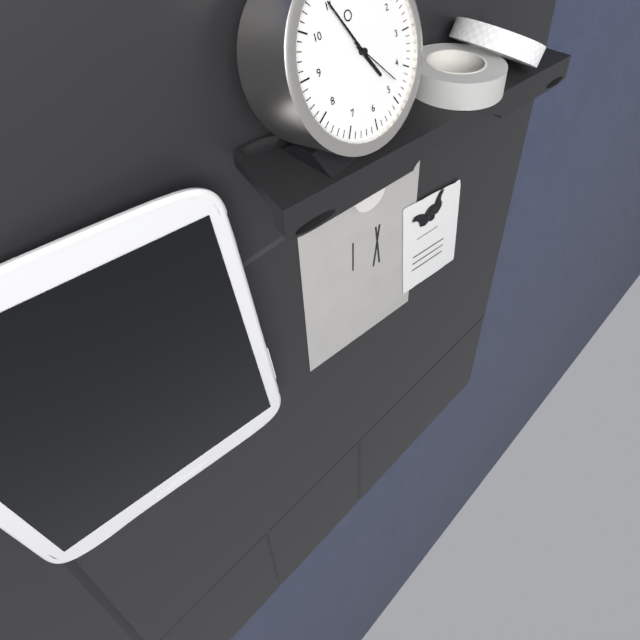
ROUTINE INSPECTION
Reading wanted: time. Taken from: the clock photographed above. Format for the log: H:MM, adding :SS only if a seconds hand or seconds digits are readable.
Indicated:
4:55:23
